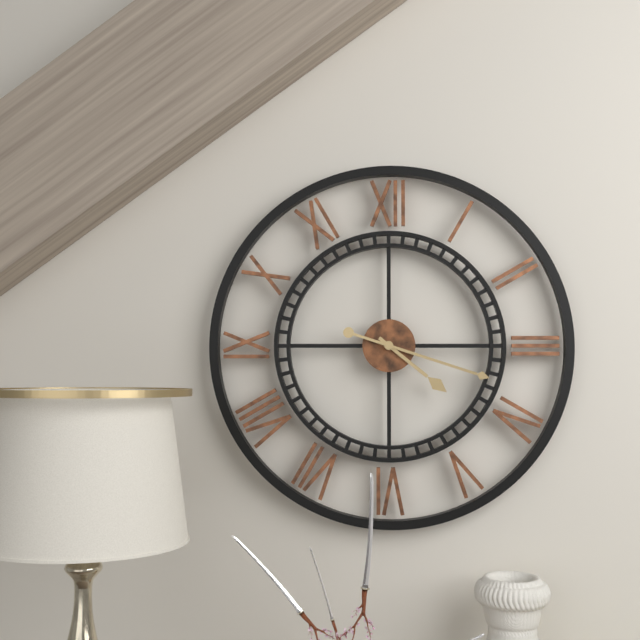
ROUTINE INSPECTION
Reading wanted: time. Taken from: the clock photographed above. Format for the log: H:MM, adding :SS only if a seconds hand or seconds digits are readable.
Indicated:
4:18
